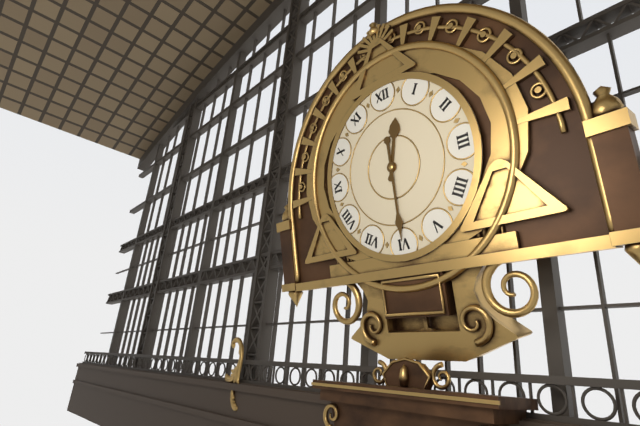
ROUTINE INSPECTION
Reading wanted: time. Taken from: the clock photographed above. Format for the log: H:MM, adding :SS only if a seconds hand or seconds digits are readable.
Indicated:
12:30
